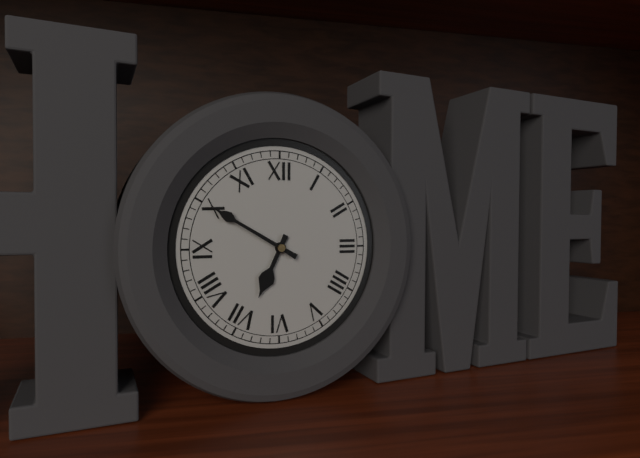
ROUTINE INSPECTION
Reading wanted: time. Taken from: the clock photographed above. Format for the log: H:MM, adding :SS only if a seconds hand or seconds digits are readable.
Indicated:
6:50
